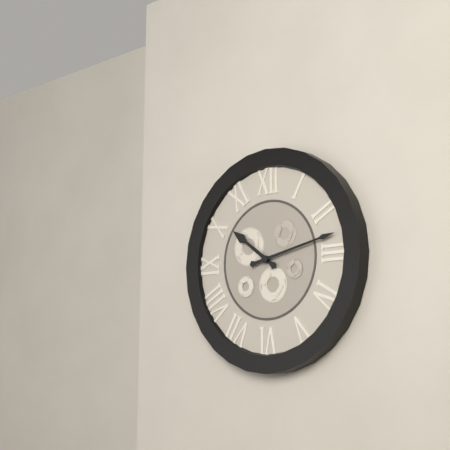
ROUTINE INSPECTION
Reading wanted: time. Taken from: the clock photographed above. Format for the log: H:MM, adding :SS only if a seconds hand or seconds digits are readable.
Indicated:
10:13
